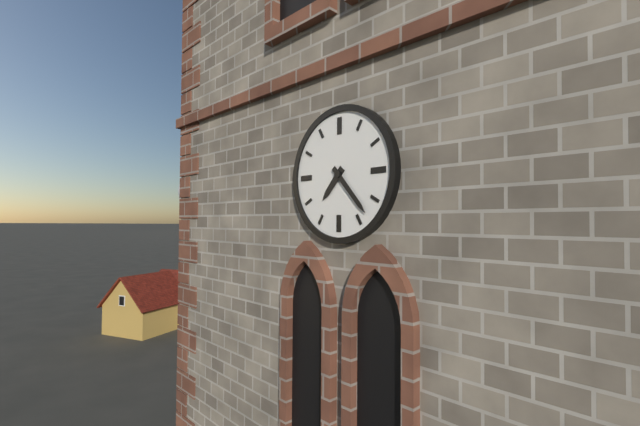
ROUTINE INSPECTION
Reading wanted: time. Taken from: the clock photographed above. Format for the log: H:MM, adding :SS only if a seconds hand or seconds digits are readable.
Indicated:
7:23
